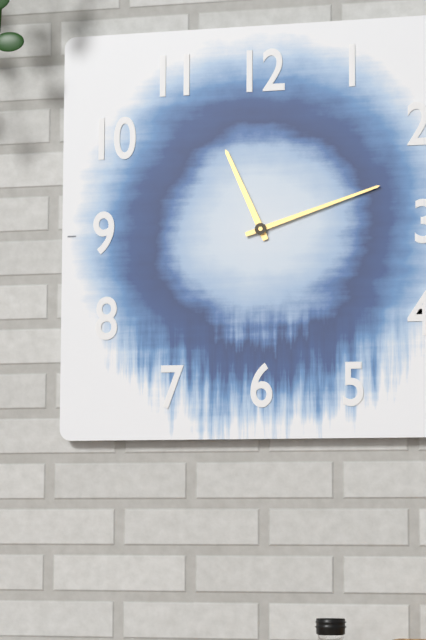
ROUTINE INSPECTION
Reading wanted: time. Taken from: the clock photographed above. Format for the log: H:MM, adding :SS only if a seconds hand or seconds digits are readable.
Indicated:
11:12
